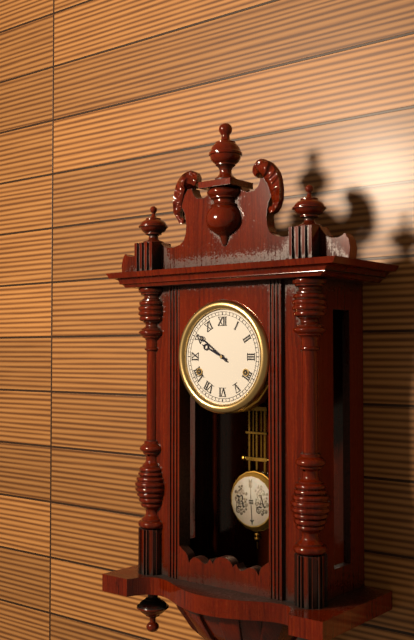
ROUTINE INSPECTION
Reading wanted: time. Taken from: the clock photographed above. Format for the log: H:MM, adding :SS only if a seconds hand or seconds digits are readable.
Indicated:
9:51
